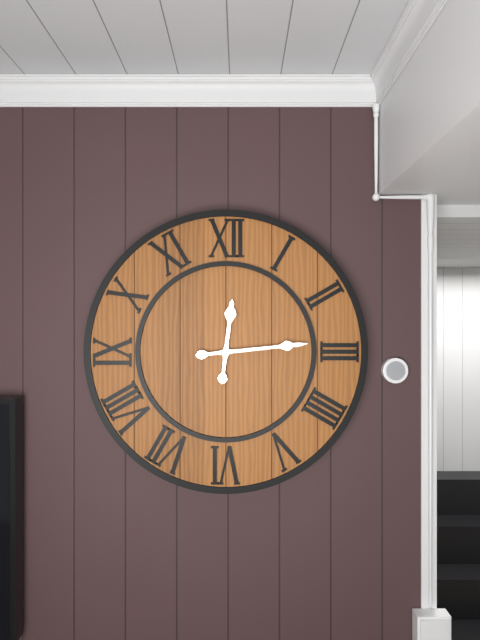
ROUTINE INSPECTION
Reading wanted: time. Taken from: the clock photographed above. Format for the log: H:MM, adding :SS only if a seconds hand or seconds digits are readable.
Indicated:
12:14
